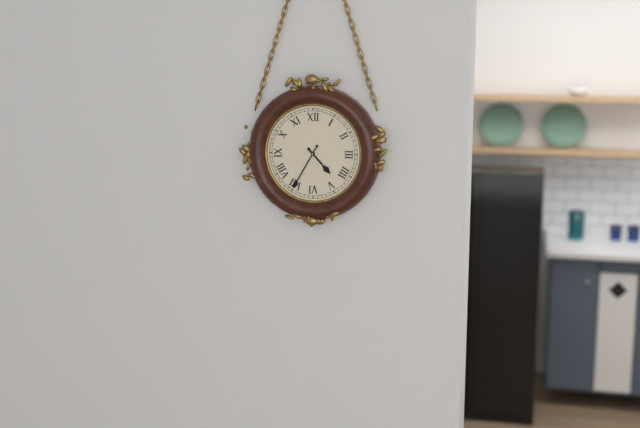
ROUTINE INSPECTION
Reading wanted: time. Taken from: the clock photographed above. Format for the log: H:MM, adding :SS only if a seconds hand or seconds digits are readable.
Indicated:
4:35
